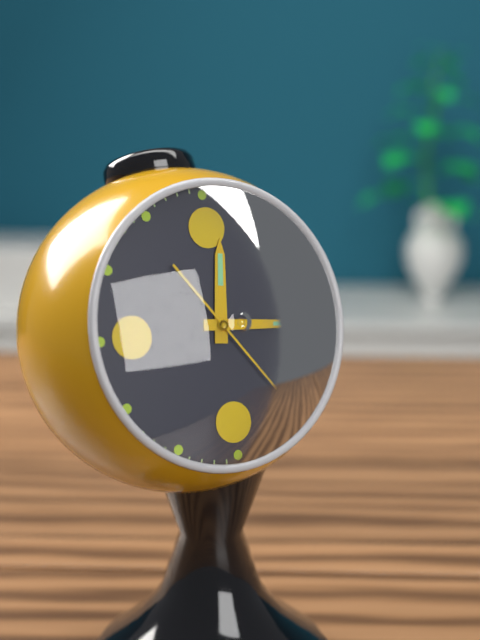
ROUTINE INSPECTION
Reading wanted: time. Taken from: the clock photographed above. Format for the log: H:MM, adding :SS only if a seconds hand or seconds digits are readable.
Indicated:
12:16:24
